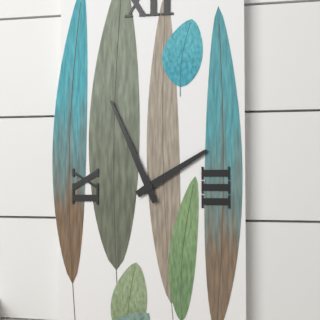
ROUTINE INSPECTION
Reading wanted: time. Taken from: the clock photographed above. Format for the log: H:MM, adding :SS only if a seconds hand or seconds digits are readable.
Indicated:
1:56
